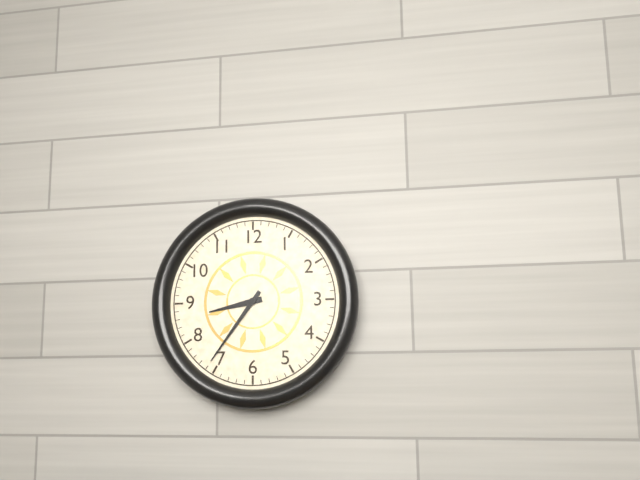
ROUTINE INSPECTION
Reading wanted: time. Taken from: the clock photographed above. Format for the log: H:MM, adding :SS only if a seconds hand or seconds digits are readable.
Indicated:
8:36
